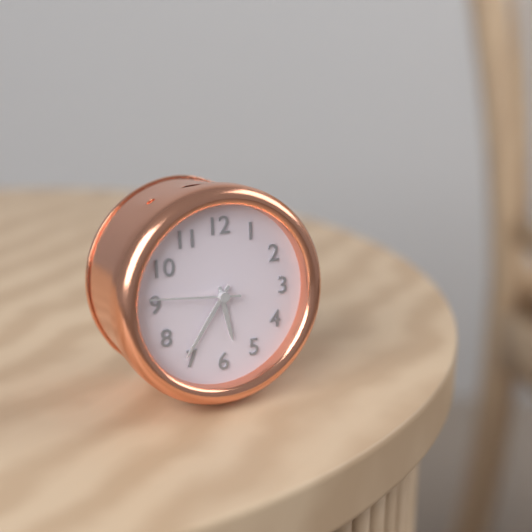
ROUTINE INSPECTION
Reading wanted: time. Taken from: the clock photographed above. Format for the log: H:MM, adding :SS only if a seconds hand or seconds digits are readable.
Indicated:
5:36:46
